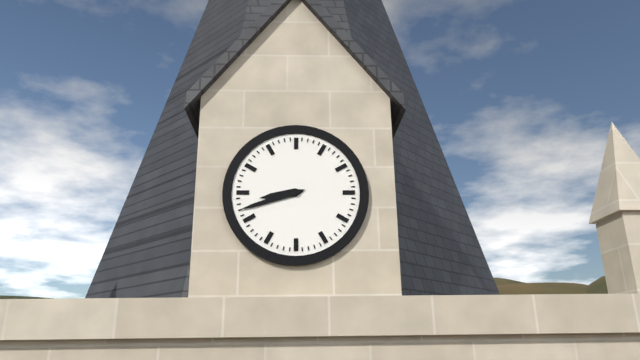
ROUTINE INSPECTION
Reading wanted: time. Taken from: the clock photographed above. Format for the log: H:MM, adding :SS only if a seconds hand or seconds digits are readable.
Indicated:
8:42
